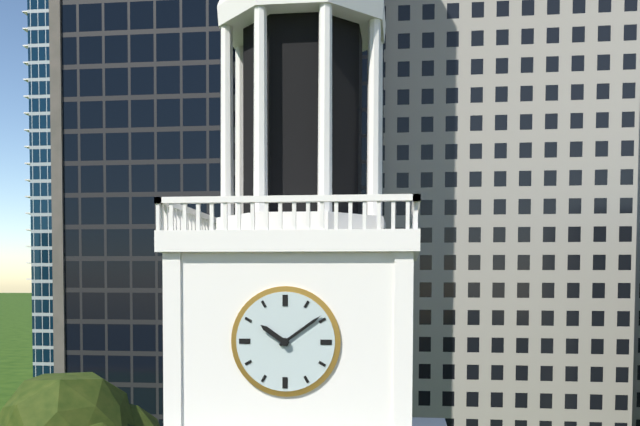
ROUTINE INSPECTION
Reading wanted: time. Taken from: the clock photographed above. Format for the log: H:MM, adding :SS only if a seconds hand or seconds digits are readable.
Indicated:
10:09
